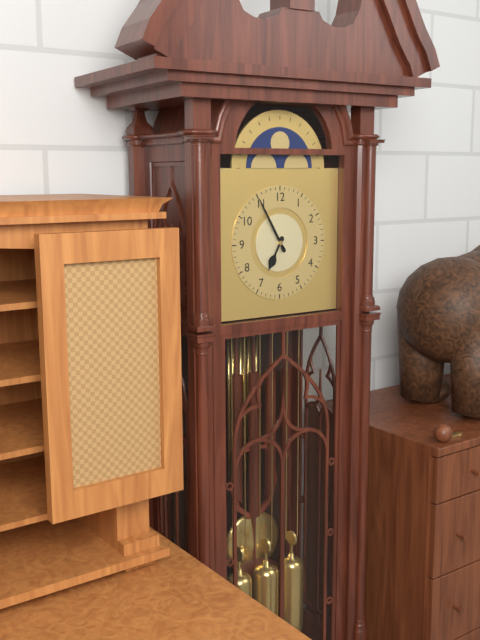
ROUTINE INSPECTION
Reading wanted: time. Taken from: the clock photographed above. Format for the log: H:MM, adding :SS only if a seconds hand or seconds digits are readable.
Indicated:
6:55
